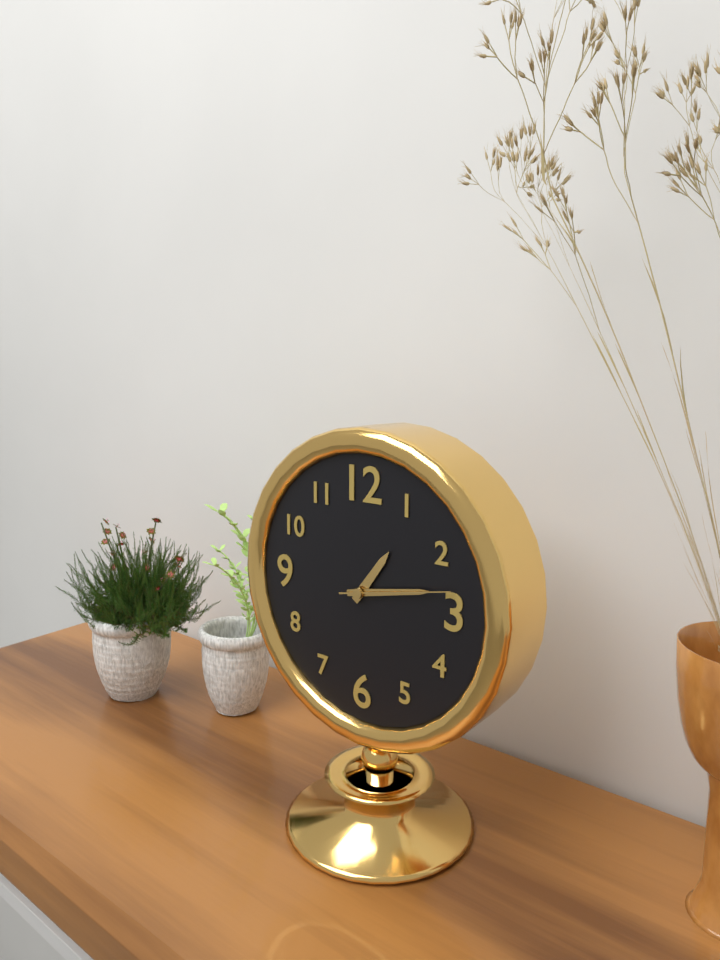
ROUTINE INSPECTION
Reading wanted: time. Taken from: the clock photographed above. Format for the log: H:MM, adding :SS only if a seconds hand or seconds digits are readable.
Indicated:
1:13:13
